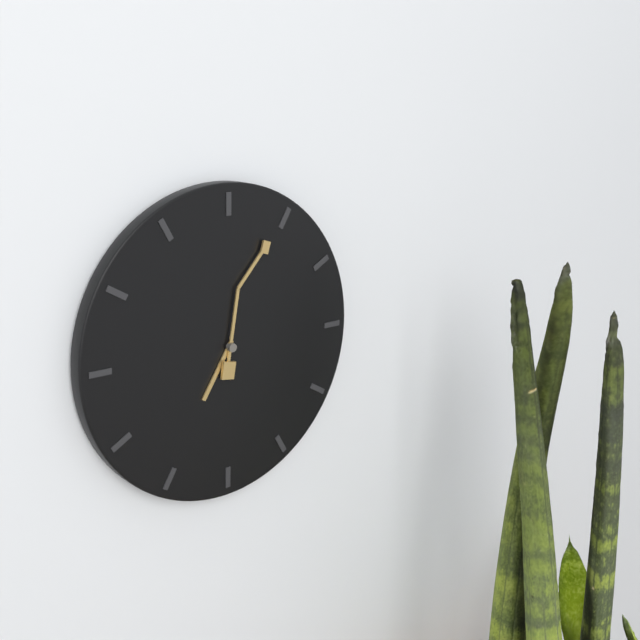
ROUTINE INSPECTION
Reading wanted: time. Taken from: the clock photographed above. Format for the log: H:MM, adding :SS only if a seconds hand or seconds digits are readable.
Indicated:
7:04
